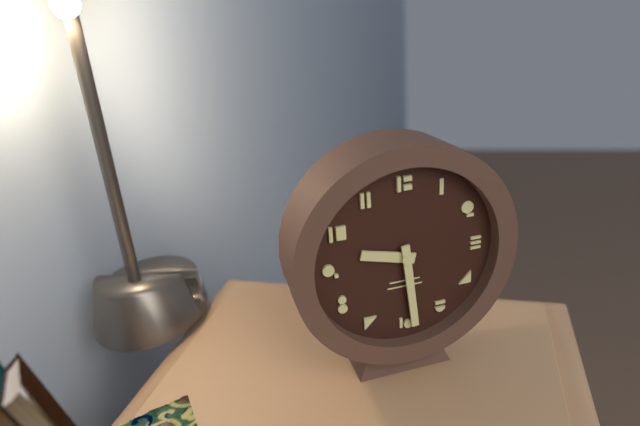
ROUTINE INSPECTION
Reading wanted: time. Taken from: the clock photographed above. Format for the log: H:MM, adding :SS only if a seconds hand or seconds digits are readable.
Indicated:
9:29
